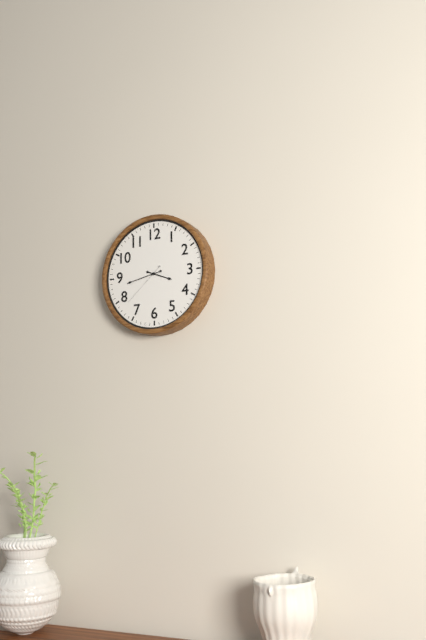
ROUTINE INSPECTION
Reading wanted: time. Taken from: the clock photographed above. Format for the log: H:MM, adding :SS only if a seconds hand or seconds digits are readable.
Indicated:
3:43
